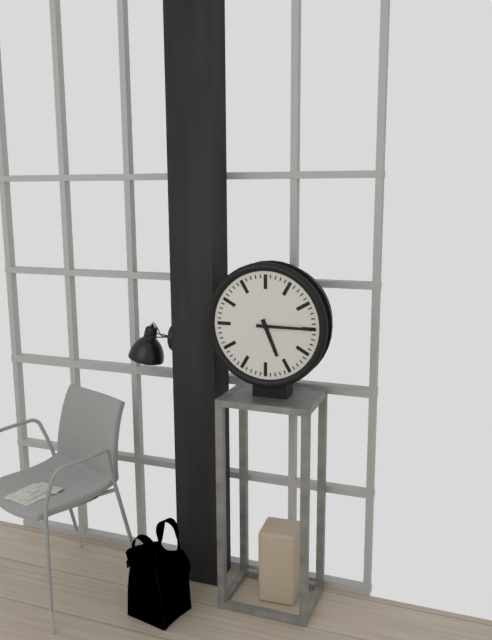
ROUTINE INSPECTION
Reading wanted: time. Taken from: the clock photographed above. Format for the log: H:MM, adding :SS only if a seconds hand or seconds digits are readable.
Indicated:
5:15
